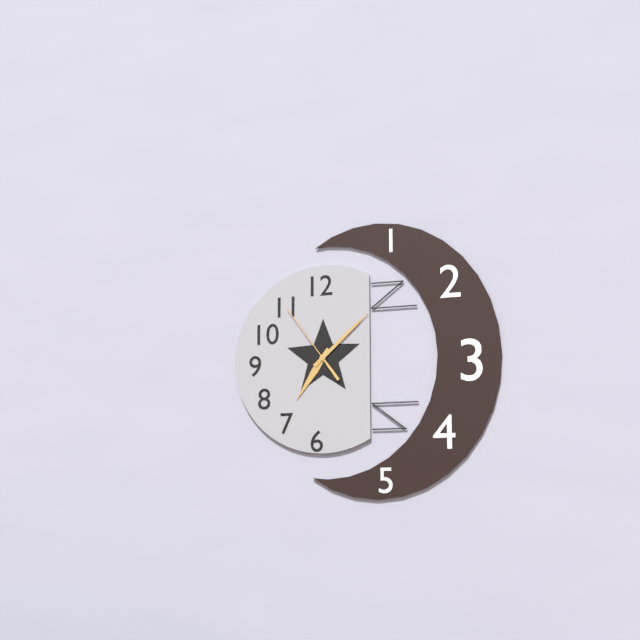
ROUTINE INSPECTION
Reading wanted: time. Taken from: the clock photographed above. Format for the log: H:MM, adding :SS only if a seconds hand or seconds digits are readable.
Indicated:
7:08:54
